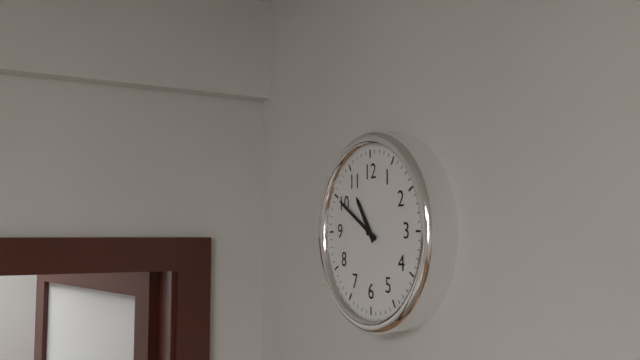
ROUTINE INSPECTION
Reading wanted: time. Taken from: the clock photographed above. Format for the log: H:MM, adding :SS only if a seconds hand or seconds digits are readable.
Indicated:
10:50
